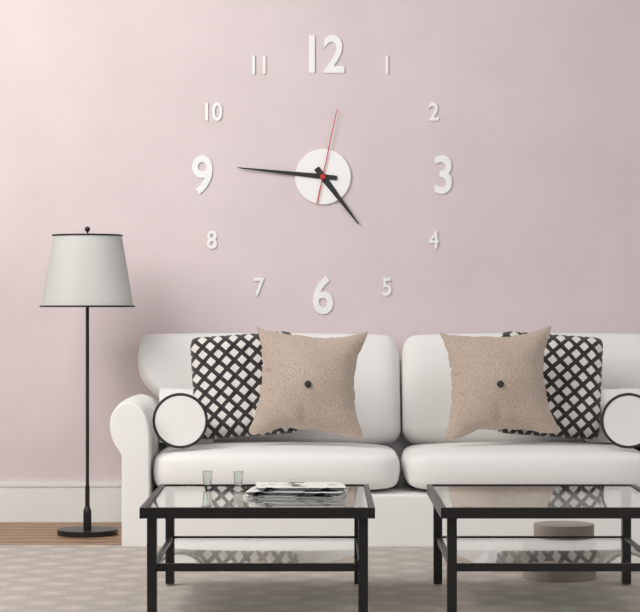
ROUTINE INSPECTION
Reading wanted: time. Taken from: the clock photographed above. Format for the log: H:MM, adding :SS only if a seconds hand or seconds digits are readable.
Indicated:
4:46:02
